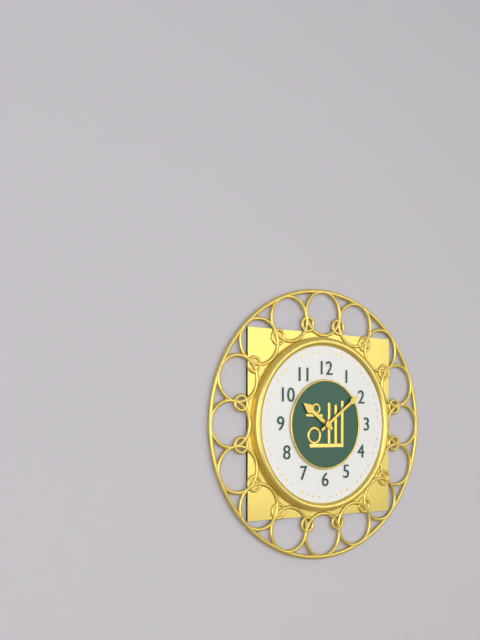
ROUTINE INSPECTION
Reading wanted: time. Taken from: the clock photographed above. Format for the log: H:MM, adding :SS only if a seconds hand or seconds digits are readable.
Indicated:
10:09
